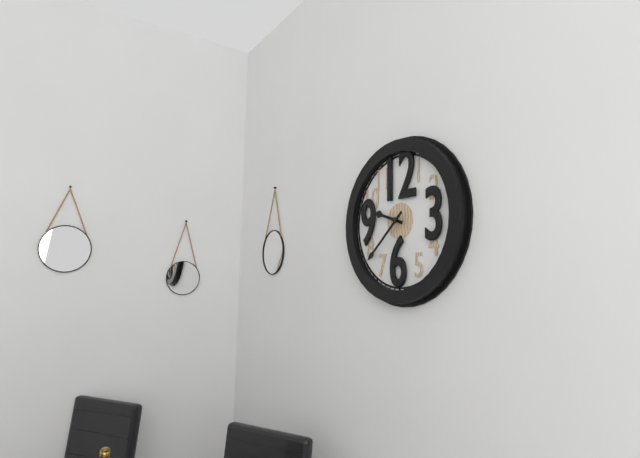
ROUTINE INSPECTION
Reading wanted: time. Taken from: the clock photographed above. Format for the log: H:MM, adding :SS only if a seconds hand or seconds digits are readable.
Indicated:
9:38
